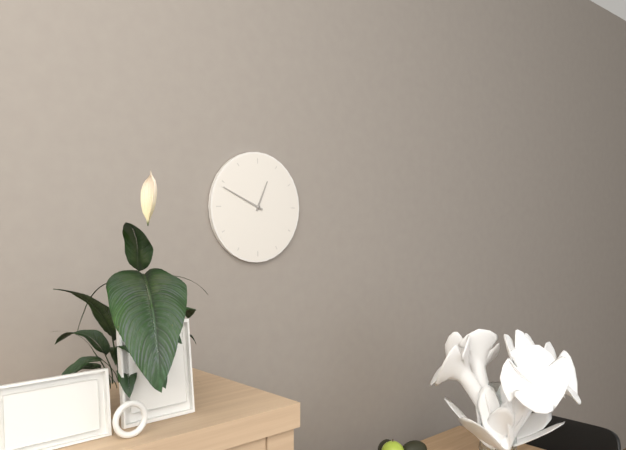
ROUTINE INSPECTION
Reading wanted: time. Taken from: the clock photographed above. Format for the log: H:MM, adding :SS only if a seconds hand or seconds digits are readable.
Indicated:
12:49
